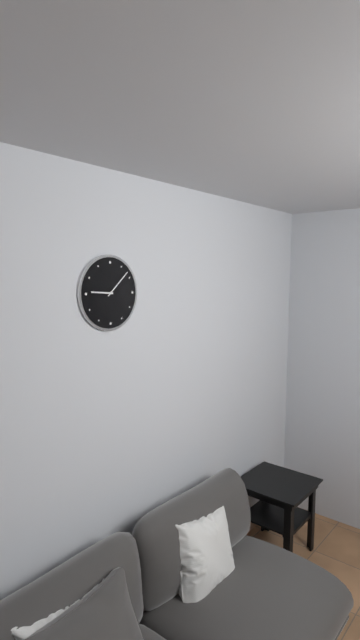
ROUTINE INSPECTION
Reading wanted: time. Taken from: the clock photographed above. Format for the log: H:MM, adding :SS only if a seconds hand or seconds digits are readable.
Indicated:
9:08
